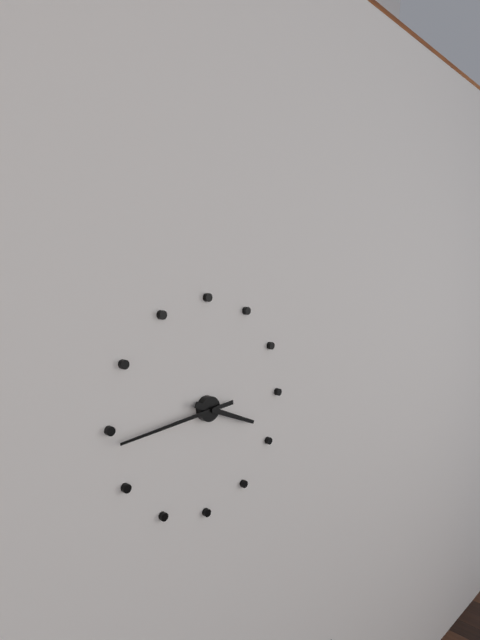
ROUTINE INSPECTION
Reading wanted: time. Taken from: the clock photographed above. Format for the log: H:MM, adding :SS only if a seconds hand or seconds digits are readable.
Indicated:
3:44
